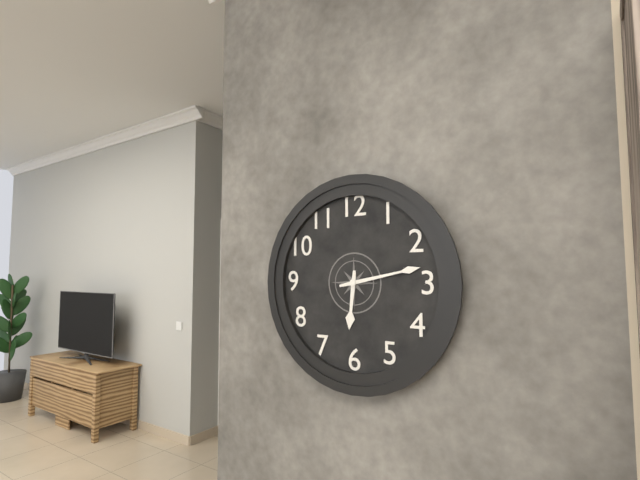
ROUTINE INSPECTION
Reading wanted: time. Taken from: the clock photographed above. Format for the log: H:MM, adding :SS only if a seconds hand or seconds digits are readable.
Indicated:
6:13
